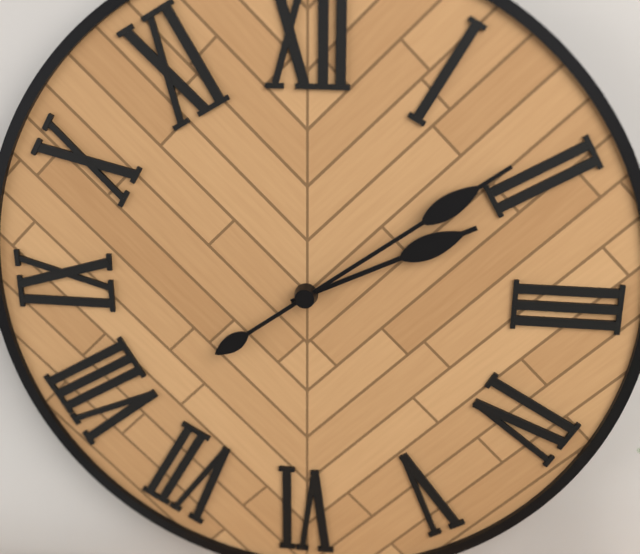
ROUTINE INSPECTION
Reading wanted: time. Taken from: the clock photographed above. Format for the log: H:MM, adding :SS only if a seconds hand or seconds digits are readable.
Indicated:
2:09
